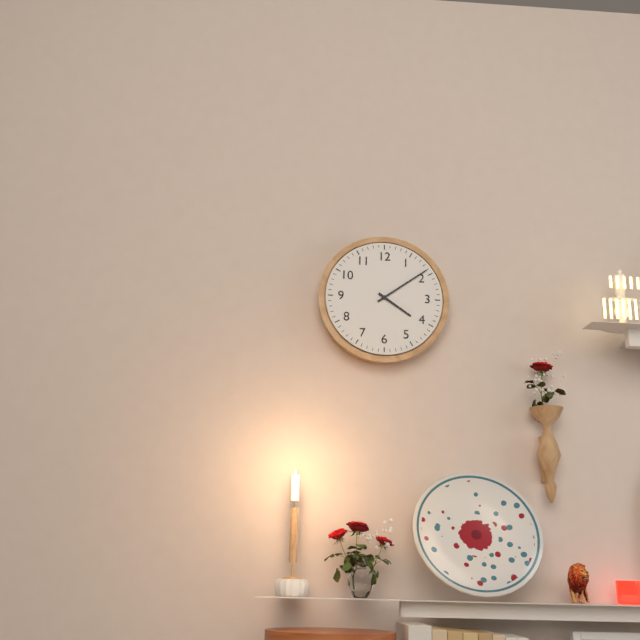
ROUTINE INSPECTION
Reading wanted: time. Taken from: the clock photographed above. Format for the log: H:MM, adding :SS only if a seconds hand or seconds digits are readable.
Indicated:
4:09
